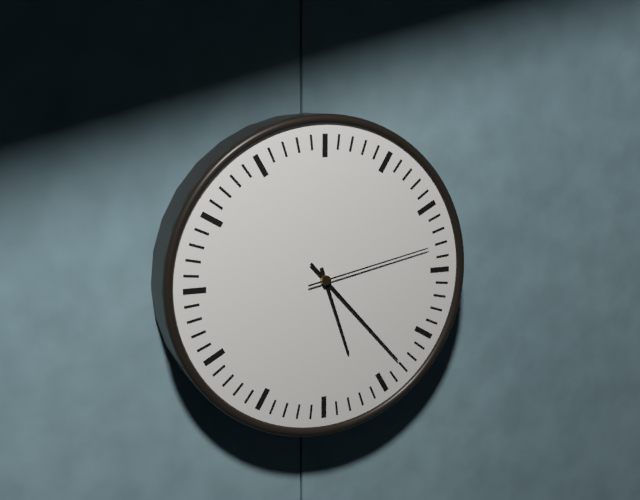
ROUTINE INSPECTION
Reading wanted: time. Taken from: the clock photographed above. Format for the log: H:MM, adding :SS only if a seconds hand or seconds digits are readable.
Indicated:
5:23:13
